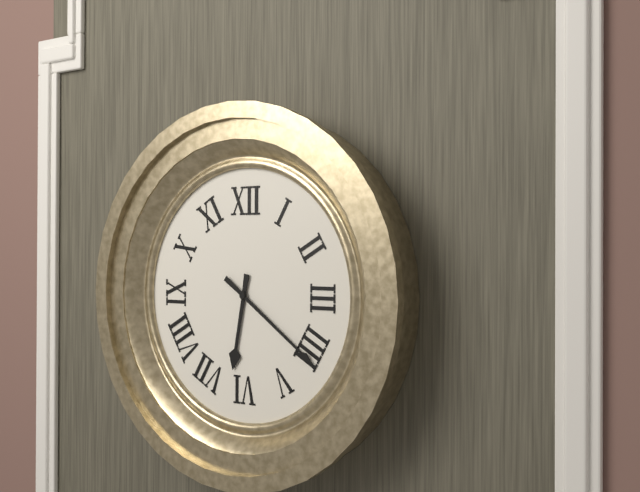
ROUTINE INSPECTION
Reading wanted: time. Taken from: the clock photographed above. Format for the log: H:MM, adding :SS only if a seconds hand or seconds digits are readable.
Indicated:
6:21
